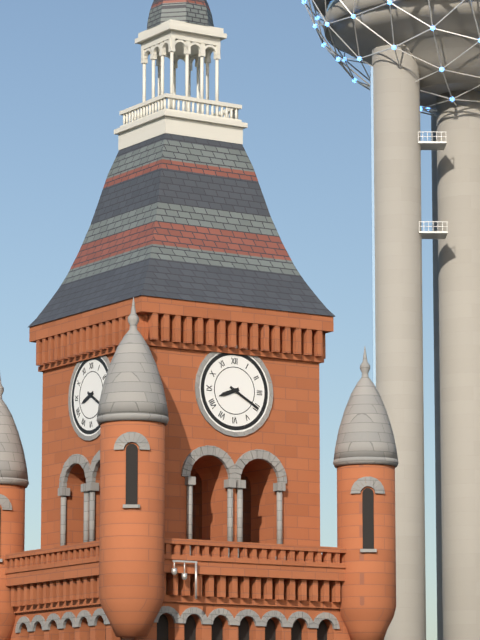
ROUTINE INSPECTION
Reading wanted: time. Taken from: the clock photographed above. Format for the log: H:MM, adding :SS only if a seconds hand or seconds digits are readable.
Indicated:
8:20
